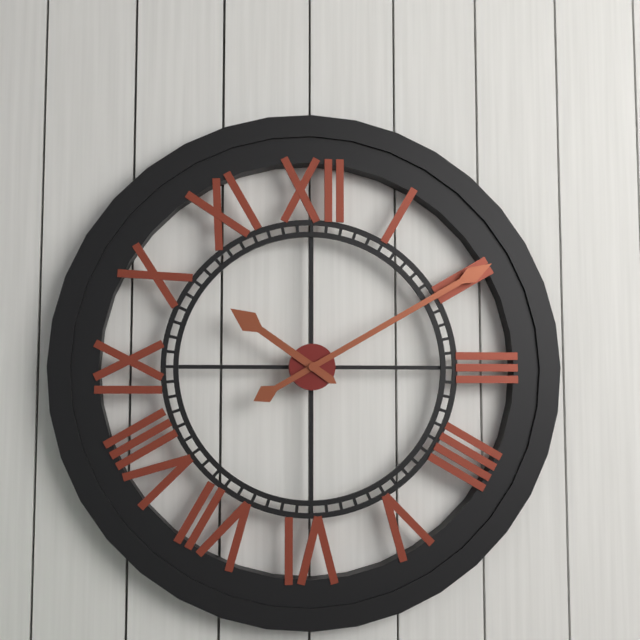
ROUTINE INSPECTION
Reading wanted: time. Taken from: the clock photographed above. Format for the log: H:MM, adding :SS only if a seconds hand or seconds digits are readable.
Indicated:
10:10
